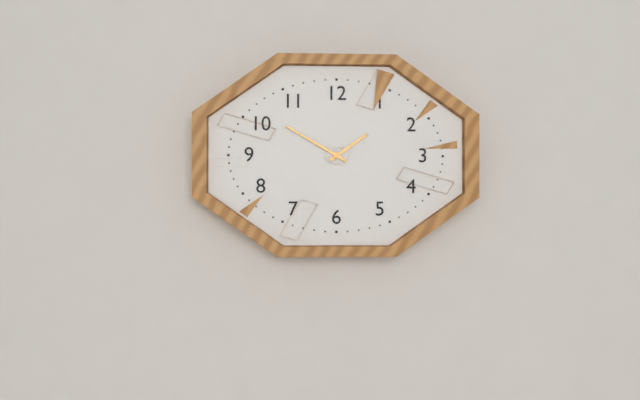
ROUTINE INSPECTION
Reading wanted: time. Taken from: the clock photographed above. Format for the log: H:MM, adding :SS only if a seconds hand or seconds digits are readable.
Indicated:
1:50
